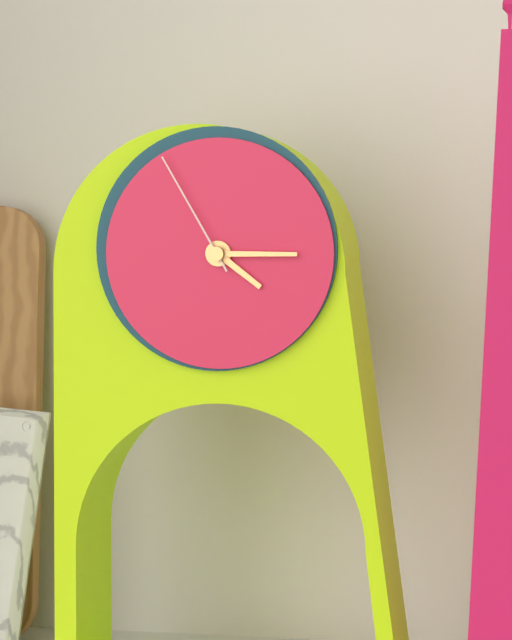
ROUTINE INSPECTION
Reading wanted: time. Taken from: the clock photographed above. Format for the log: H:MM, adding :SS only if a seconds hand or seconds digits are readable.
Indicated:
4:15:55
